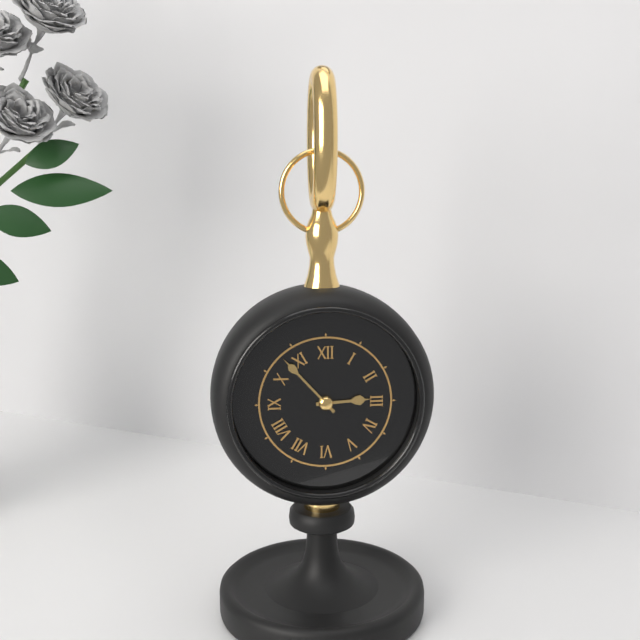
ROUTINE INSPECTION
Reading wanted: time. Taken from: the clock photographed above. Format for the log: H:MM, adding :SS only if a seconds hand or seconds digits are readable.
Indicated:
2:53
